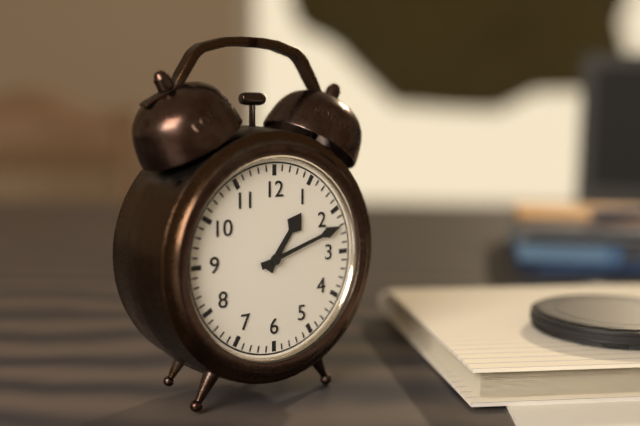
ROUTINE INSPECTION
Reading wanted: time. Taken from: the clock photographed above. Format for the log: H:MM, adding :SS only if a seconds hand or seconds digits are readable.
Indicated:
1:12
